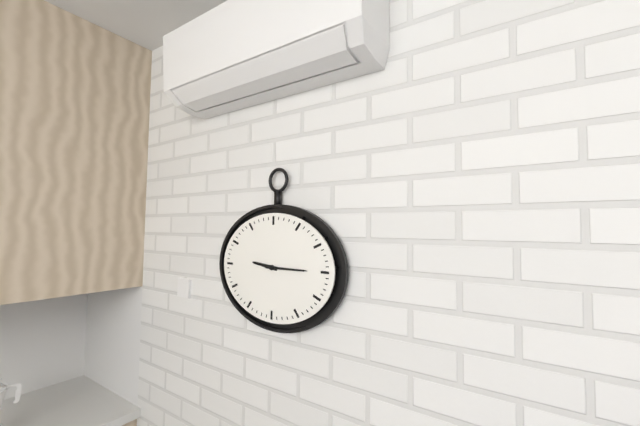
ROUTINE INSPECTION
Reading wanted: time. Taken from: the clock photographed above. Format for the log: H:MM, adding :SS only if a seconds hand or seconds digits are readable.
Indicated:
9:15
